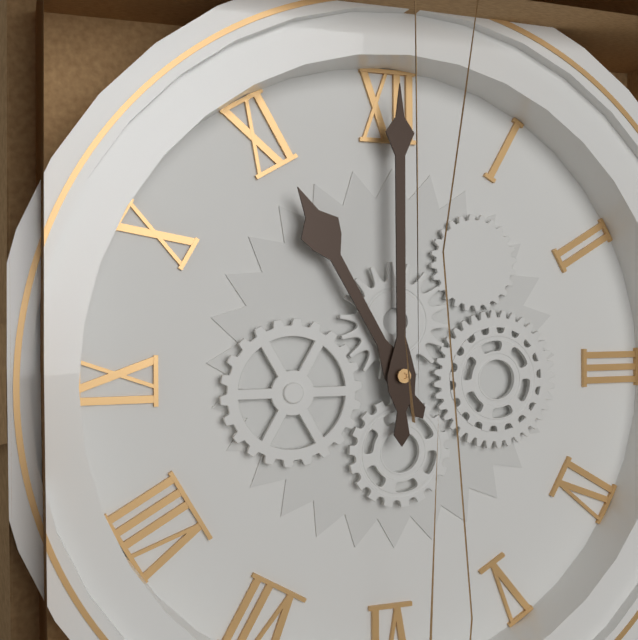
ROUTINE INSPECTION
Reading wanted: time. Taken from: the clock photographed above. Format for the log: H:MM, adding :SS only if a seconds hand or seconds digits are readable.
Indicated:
11:00
